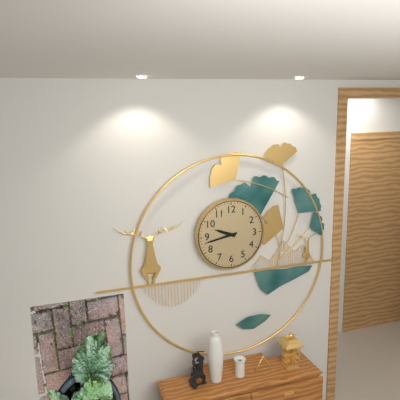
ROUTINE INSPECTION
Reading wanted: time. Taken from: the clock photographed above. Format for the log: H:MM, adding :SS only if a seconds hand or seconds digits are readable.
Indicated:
9:43
